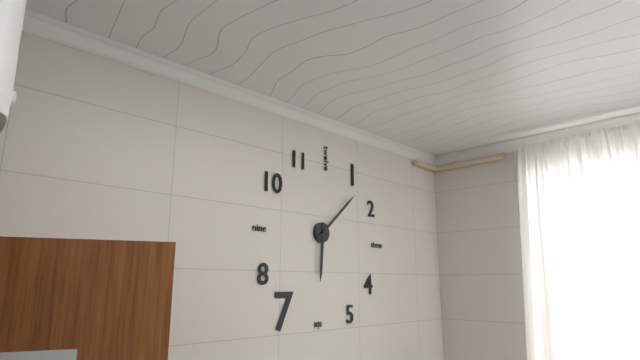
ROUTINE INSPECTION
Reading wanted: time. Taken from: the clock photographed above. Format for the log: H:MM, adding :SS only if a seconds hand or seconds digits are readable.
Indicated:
6:08
